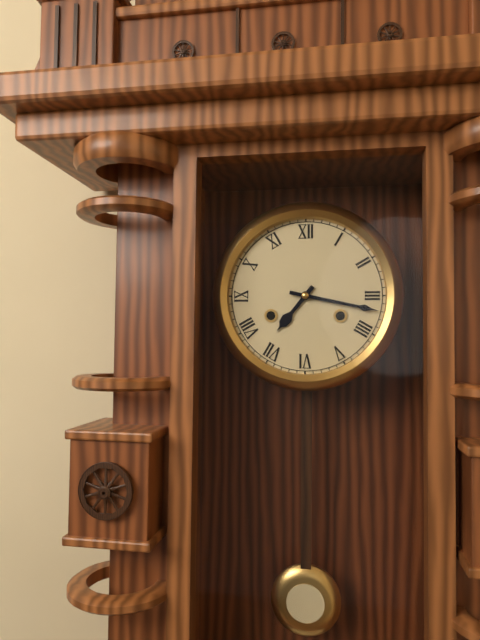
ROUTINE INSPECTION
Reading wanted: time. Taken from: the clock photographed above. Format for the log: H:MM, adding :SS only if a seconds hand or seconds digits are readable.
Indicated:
7:17
